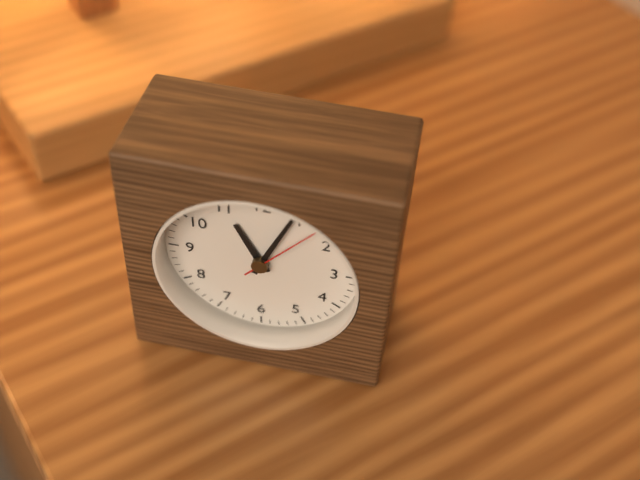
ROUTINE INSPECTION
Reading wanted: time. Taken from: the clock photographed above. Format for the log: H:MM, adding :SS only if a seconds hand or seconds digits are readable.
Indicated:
11:04:07
